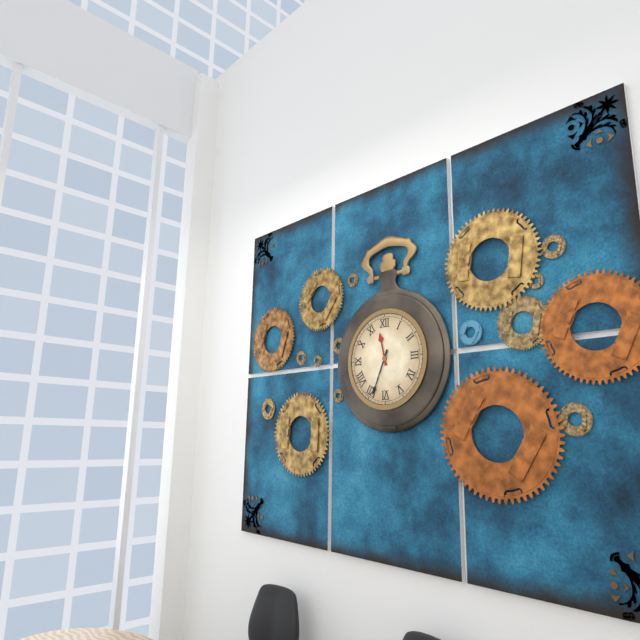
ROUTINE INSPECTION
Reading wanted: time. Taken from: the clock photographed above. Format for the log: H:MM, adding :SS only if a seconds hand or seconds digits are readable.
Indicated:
11:34
